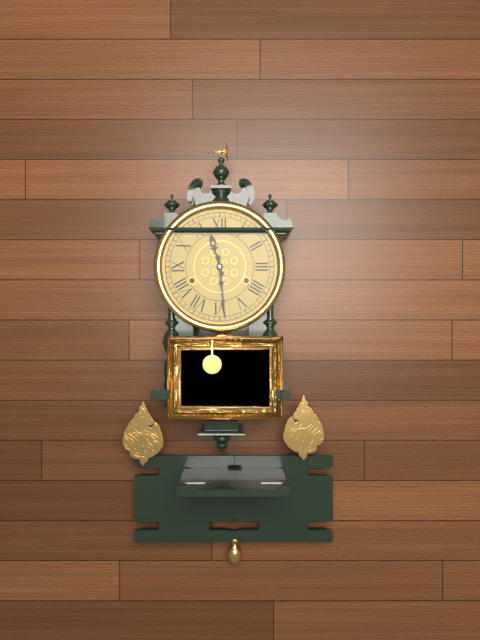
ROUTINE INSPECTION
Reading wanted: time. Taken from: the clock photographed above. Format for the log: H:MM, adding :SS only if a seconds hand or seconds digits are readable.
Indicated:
11:29
